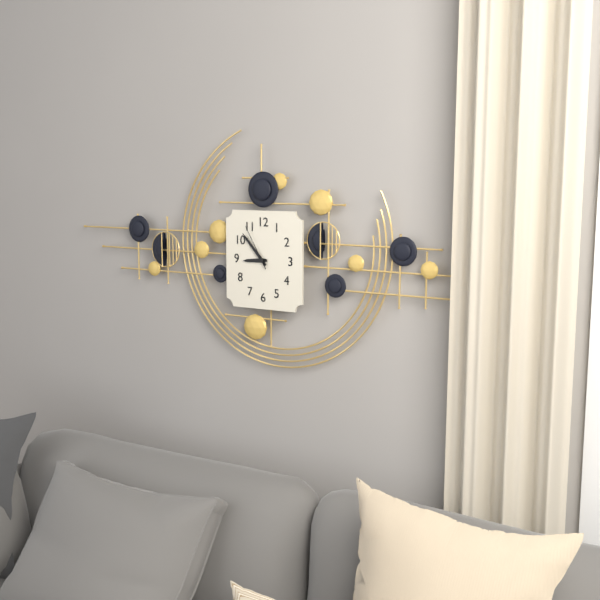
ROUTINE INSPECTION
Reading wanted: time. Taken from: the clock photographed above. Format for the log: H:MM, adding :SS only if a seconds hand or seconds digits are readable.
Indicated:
8:53
